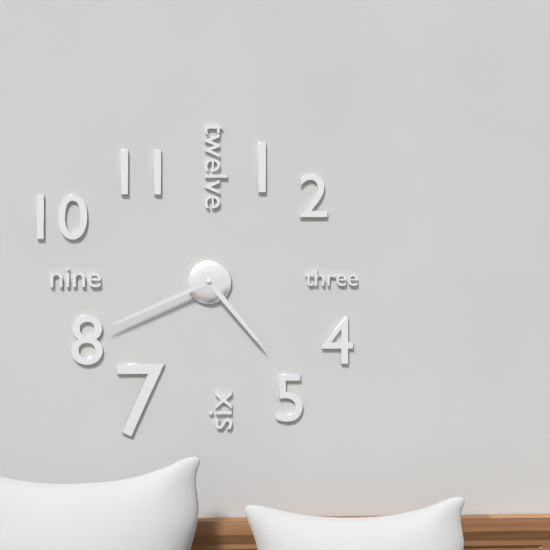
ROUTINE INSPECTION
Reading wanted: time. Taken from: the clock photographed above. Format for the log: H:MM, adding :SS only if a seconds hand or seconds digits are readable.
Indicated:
4:41
